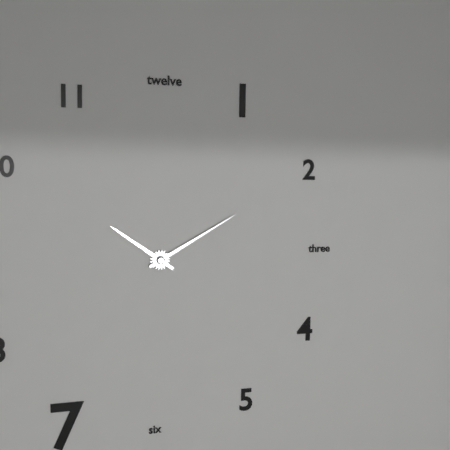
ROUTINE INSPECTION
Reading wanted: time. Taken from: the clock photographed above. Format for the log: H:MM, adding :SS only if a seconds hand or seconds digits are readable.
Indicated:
10:10
